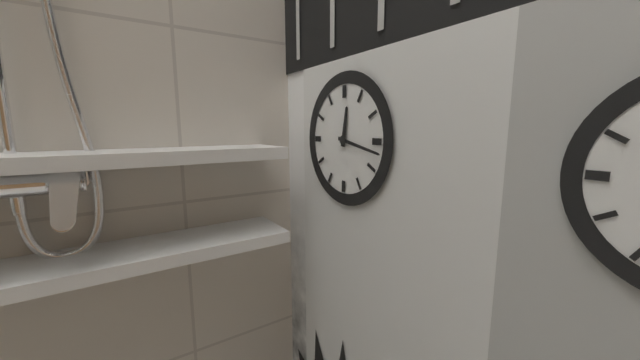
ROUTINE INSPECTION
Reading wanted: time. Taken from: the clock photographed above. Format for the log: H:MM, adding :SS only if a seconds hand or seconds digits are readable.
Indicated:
12:17
